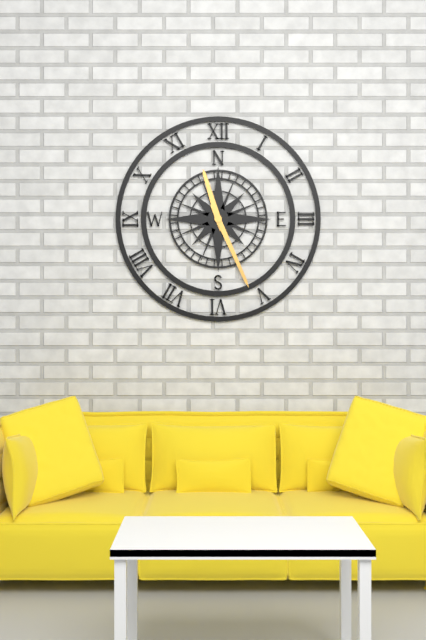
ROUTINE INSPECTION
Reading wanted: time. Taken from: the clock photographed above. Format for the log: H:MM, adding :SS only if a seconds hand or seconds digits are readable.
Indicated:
11:26
